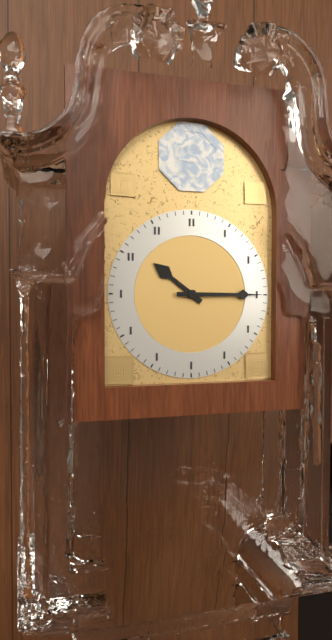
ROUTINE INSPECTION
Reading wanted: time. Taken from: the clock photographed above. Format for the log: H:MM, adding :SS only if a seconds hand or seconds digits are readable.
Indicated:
10:15
